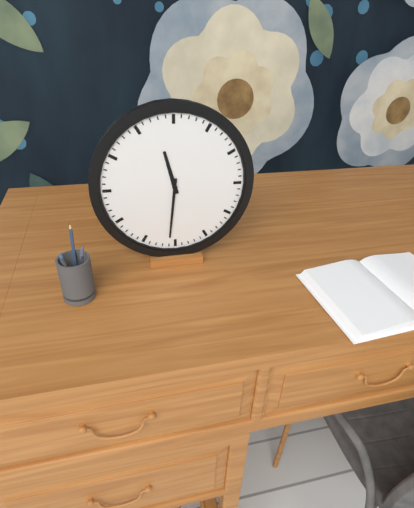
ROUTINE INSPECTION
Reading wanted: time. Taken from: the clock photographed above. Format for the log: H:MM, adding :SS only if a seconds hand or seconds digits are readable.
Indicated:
11:31
